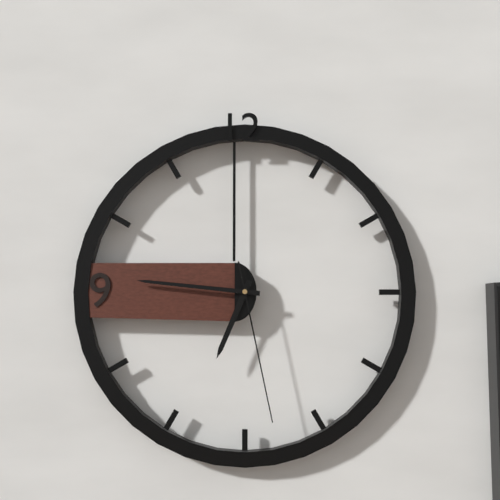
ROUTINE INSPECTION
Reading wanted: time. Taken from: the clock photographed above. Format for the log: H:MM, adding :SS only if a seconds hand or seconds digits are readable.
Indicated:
6:46:28
